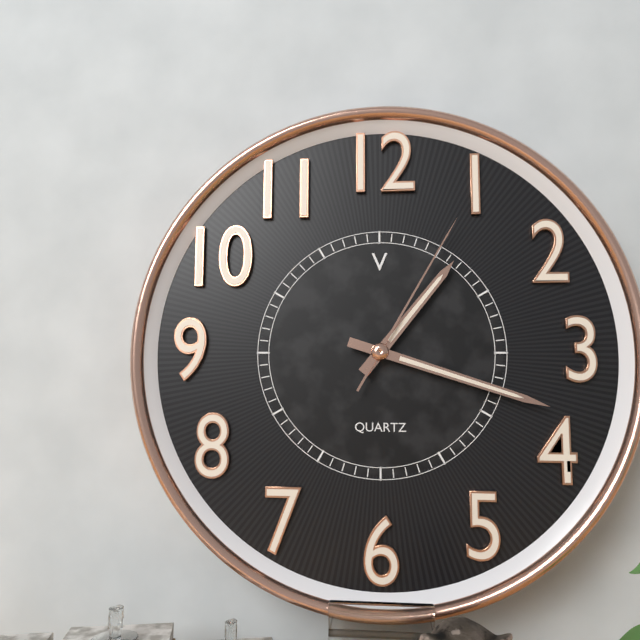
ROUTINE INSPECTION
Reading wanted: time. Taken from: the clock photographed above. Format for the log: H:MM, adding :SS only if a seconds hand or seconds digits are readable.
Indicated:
1:18:05
